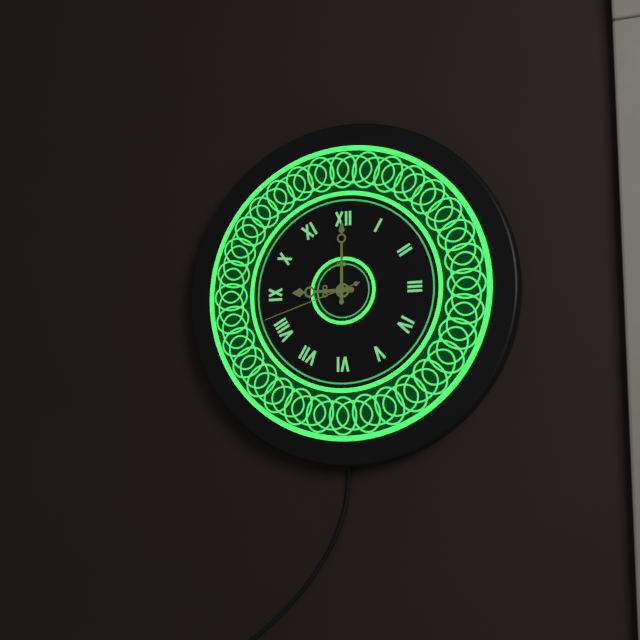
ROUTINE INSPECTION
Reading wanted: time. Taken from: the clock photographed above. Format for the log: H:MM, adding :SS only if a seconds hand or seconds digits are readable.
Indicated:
9:00:42
